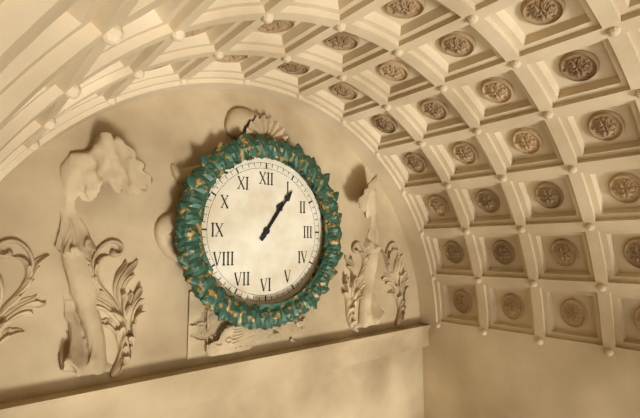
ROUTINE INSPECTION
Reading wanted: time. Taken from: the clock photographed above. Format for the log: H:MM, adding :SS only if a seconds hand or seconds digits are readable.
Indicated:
1:06
